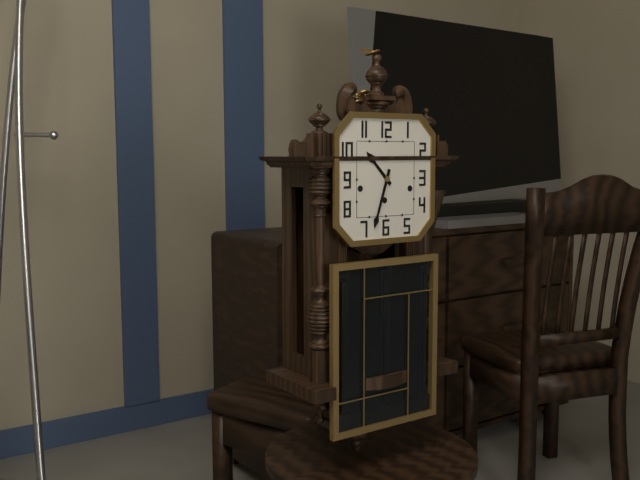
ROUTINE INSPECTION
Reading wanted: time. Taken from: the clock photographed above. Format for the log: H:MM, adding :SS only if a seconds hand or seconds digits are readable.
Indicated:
10:33
